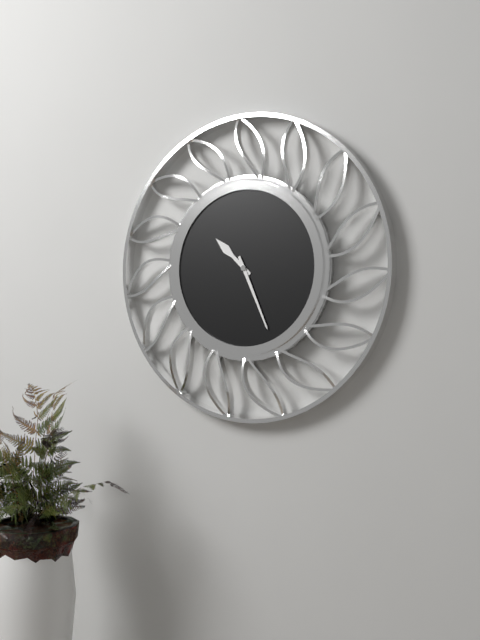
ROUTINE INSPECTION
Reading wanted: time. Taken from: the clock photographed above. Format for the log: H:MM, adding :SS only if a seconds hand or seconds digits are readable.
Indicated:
10:26
